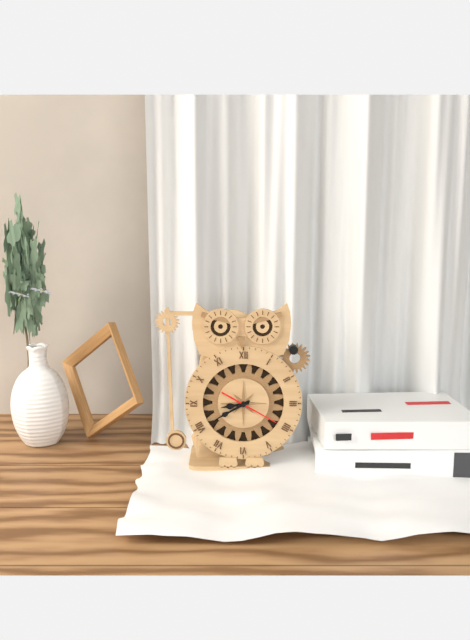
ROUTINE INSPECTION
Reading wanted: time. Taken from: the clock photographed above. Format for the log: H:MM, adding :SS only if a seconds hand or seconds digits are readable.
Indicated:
8:40:20
